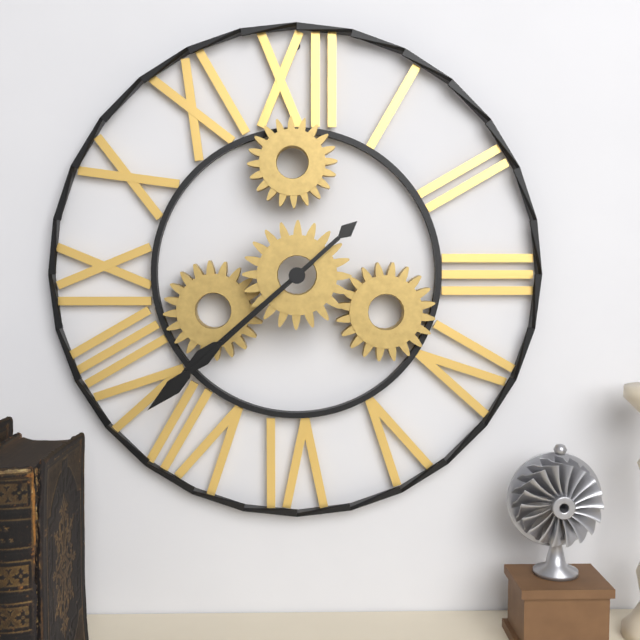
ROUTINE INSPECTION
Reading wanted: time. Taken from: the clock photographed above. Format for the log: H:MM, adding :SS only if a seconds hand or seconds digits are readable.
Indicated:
7:38
